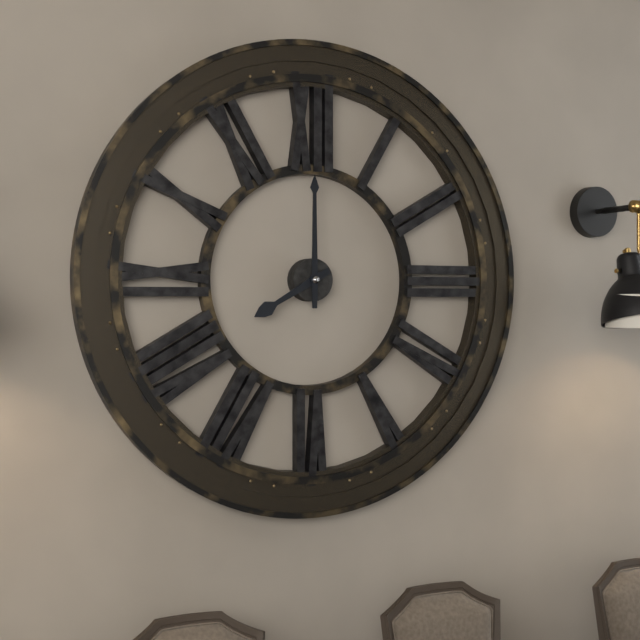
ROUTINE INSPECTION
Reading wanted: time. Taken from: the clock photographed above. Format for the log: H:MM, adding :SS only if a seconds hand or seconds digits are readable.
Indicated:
8:00
